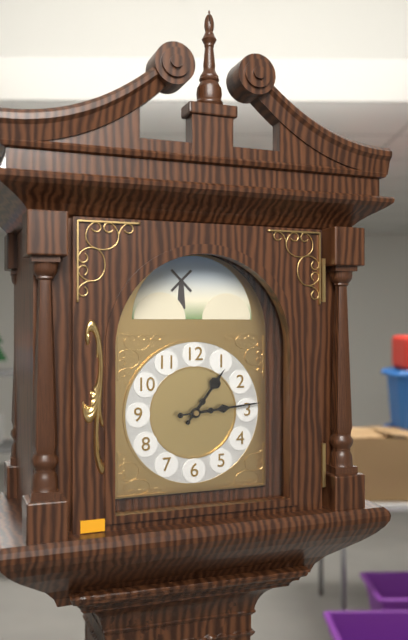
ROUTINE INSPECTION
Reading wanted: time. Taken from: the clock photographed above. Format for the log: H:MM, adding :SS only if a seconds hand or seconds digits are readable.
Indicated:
1:14
